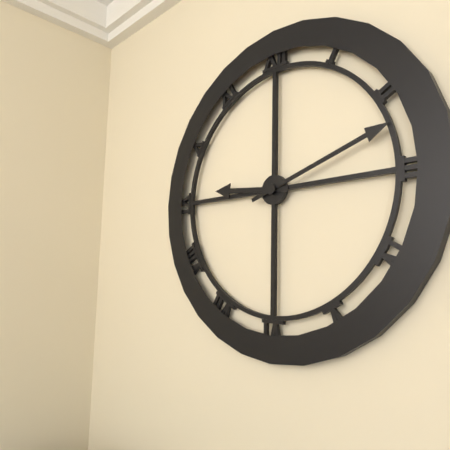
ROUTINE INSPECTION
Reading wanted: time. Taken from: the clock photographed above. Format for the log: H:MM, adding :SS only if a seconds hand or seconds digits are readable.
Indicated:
9:12
